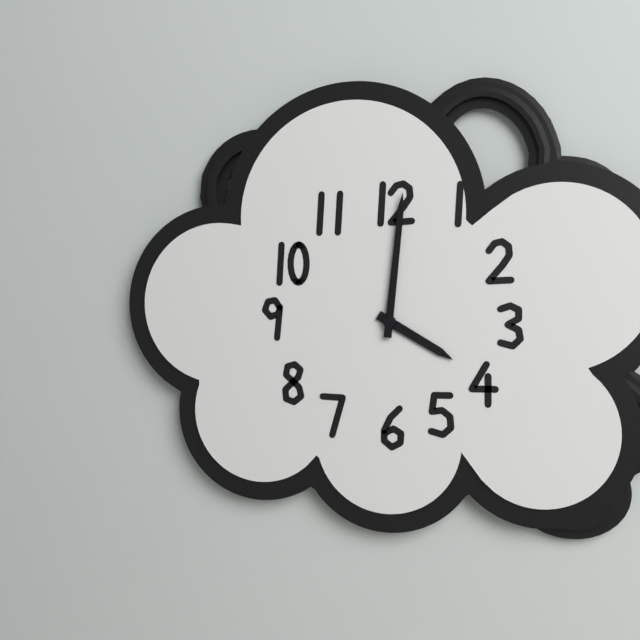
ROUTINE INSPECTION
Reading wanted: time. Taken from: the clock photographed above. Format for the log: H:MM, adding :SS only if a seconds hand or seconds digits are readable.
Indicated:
4:01
